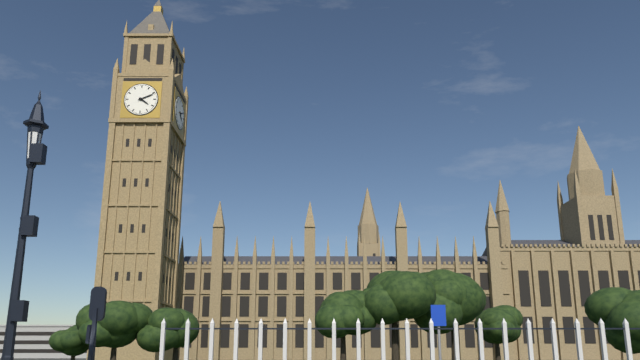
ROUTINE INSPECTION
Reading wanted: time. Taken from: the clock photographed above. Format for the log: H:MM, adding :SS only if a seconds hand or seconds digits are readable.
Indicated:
4:11
